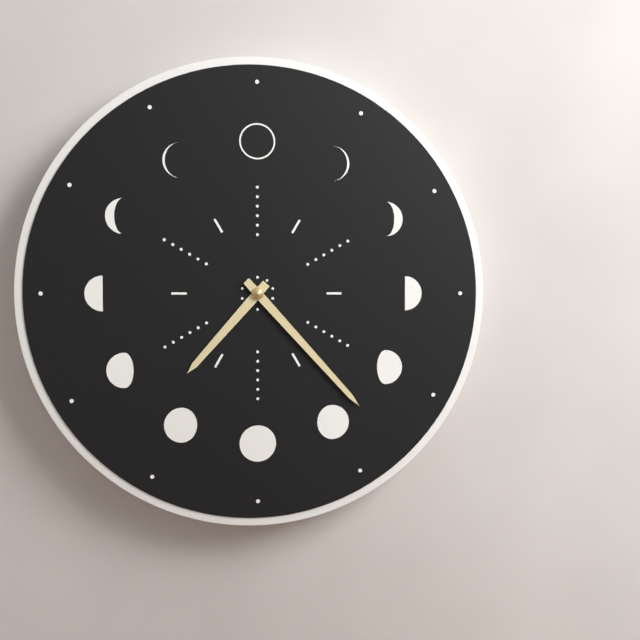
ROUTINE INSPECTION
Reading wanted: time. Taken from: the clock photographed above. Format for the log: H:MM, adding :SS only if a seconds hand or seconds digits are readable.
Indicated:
7:23
